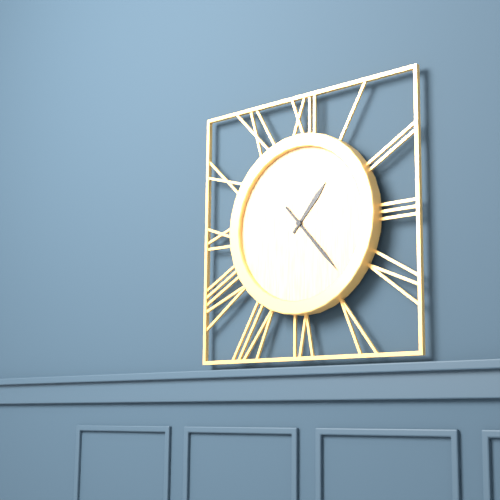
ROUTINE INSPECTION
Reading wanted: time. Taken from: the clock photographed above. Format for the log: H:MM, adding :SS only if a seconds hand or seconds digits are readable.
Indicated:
1:23
